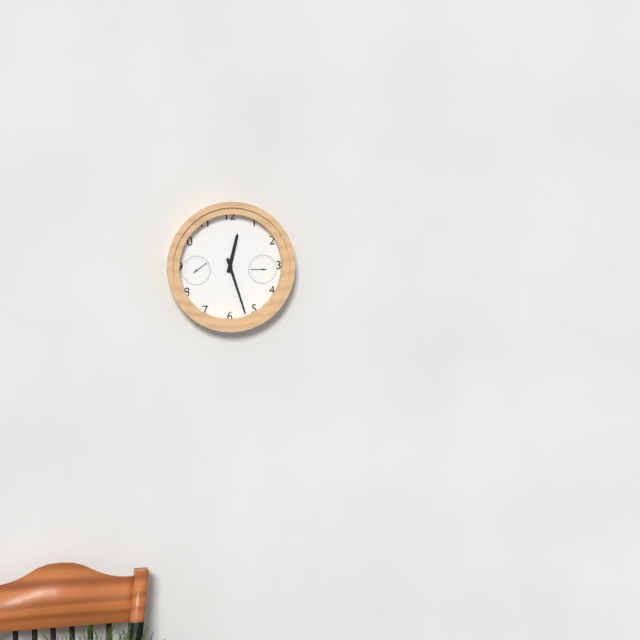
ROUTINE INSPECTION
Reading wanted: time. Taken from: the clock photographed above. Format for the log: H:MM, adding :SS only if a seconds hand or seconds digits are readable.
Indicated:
12:27
